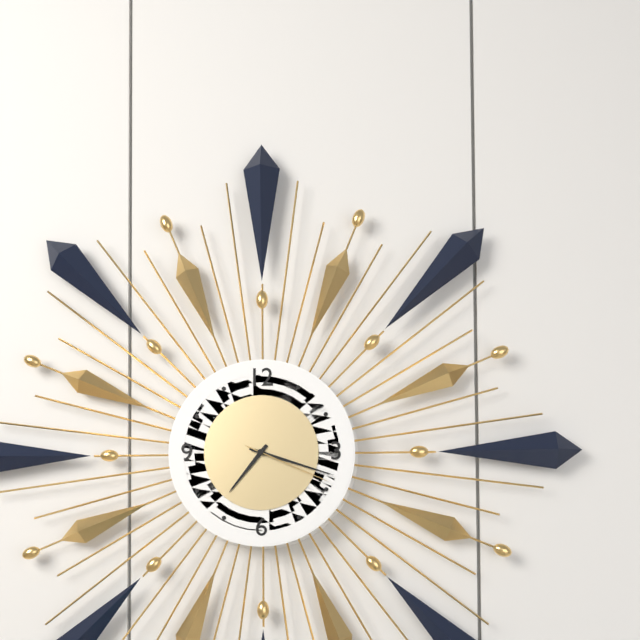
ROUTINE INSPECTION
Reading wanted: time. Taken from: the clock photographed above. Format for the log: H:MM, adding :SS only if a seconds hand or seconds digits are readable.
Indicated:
7:18:19
